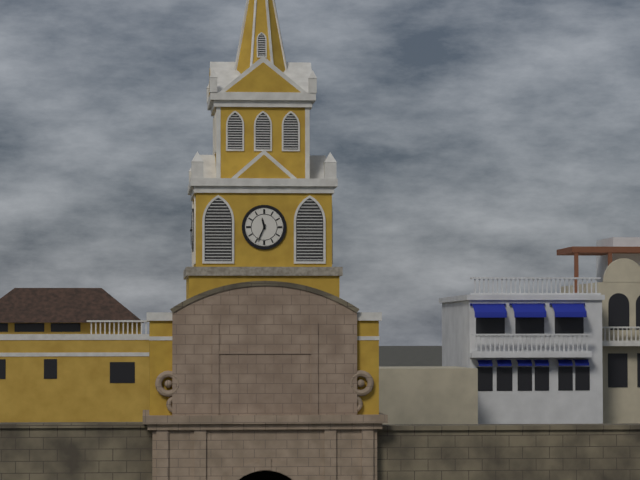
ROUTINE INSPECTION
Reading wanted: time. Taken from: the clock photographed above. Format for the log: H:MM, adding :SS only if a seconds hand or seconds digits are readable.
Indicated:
11:34
